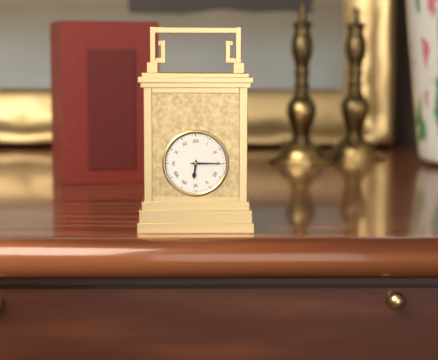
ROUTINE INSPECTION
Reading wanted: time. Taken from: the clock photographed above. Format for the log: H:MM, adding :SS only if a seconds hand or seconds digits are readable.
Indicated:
6:15
